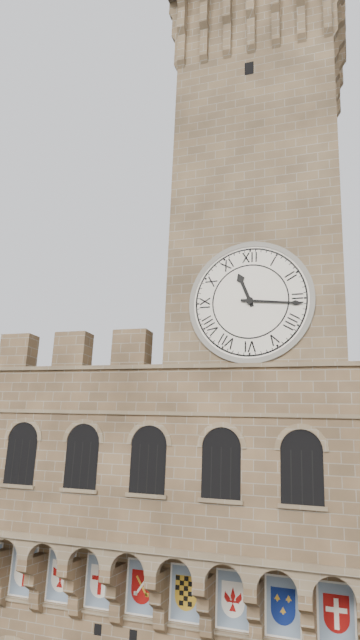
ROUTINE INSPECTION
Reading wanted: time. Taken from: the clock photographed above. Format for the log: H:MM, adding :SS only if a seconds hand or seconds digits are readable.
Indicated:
11:16
